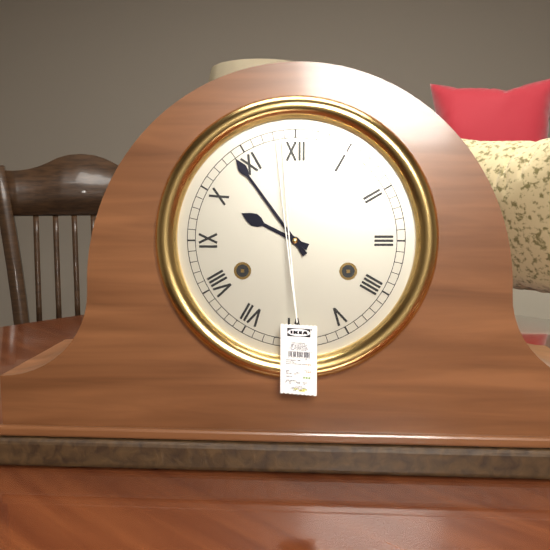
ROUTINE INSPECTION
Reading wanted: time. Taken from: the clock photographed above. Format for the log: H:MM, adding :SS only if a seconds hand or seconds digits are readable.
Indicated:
9:54
